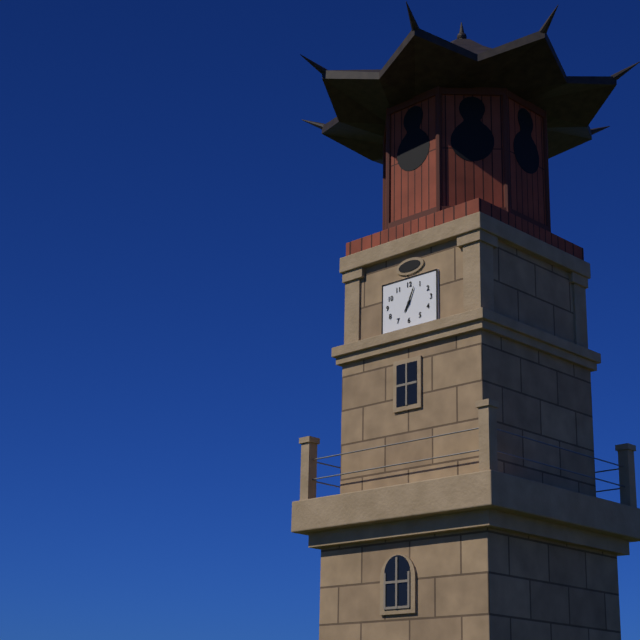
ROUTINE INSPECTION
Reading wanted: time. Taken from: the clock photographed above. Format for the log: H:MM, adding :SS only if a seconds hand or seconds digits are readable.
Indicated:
7:04
